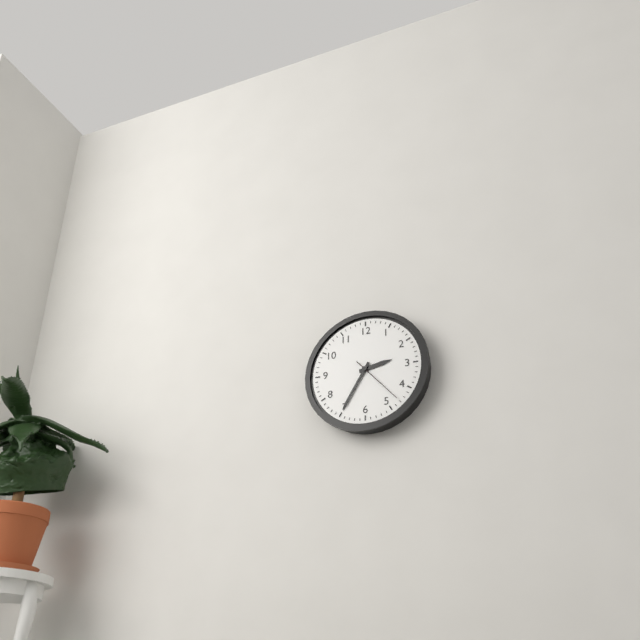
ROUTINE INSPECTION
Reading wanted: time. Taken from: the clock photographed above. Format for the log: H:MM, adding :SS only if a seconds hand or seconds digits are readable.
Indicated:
2:35:23
